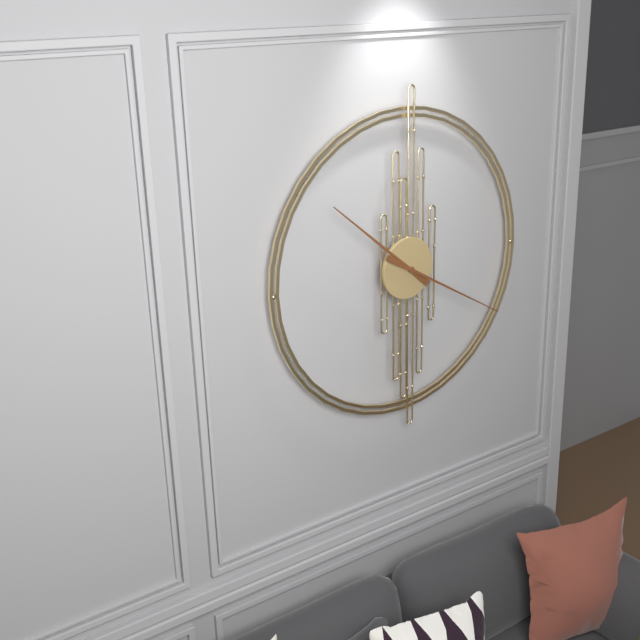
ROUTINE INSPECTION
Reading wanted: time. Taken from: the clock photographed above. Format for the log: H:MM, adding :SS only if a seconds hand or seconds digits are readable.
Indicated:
10:20
